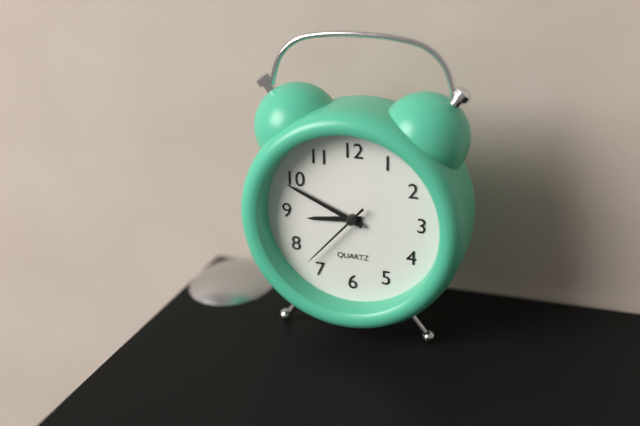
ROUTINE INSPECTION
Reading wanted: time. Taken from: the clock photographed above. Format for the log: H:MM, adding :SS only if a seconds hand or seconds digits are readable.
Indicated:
8:49:37
